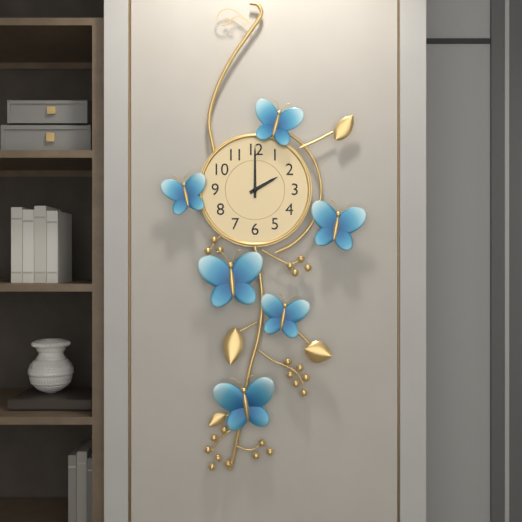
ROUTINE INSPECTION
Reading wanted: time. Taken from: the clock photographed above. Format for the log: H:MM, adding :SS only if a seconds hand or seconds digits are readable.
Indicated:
2:00
